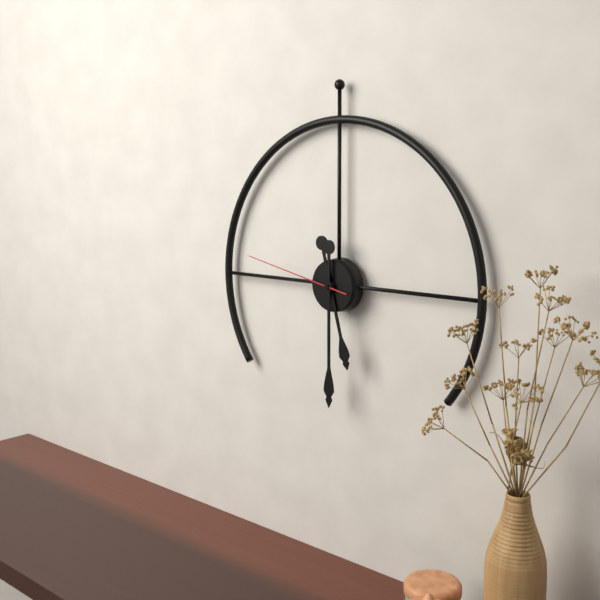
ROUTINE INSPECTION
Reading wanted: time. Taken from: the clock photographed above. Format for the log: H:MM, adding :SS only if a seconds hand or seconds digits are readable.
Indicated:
5:30:47
